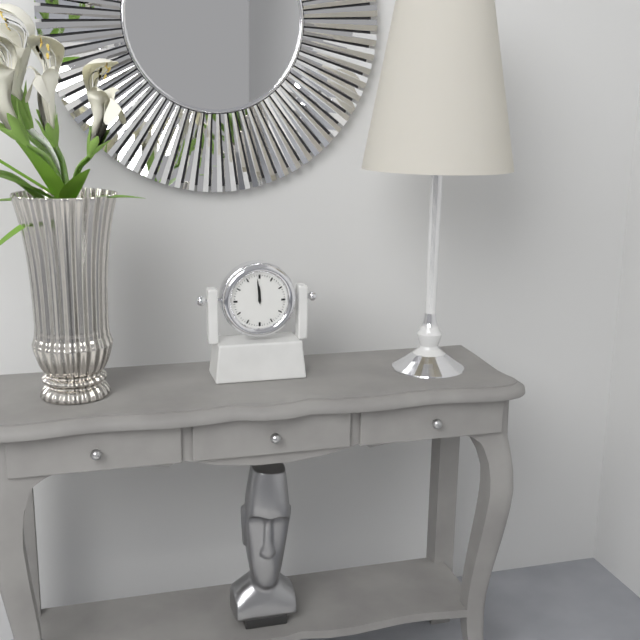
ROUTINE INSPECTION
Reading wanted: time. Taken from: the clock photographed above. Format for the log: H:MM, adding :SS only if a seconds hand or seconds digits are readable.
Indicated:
11:59
